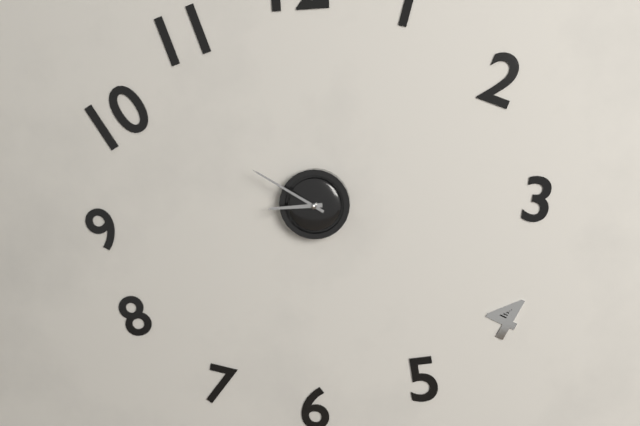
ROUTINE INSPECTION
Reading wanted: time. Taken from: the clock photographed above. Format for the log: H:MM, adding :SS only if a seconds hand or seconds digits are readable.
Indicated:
8:50
